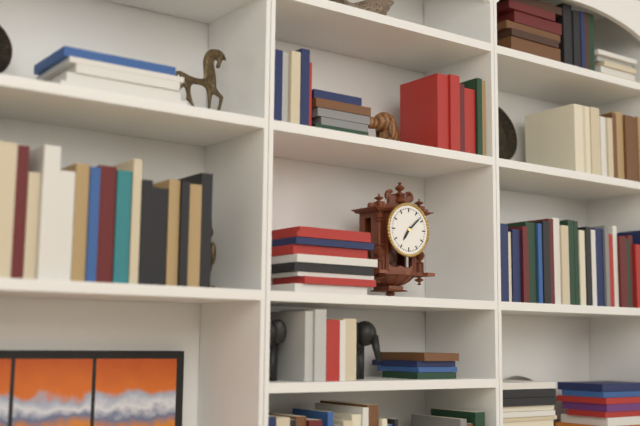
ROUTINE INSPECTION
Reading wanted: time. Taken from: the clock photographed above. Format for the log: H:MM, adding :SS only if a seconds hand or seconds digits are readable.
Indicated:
7:08
